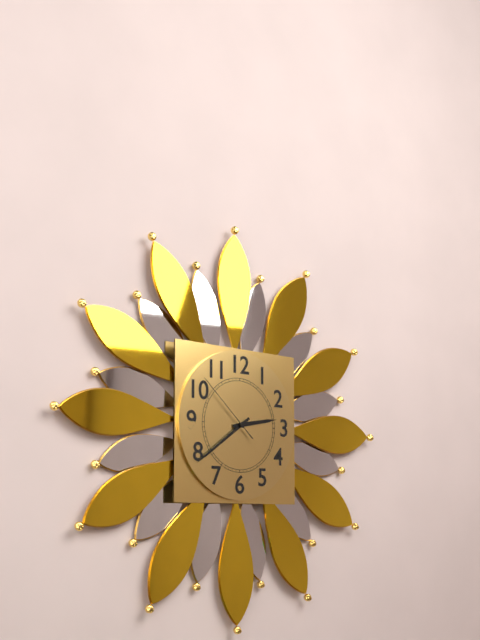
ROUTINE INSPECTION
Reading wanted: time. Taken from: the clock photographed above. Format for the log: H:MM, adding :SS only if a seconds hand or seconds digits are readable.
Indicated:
2:39:52
